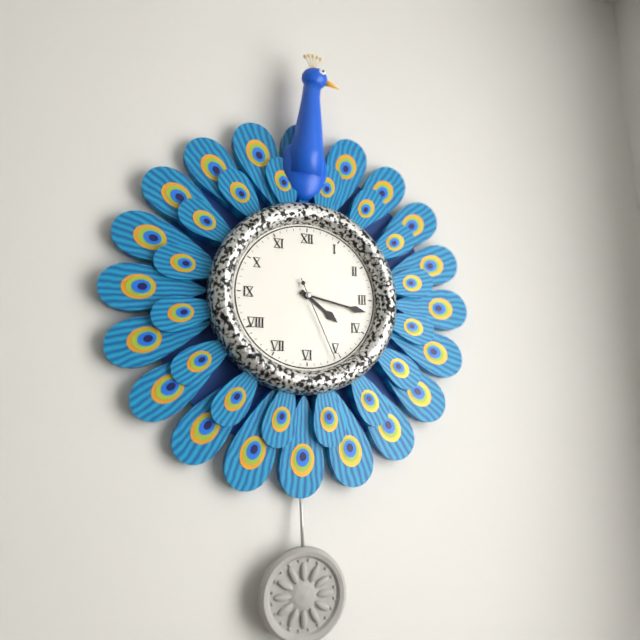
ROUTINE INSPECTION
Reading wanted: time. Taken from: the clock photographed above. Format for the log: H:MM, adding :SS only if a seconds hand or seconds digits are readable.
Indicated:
4:17:26
